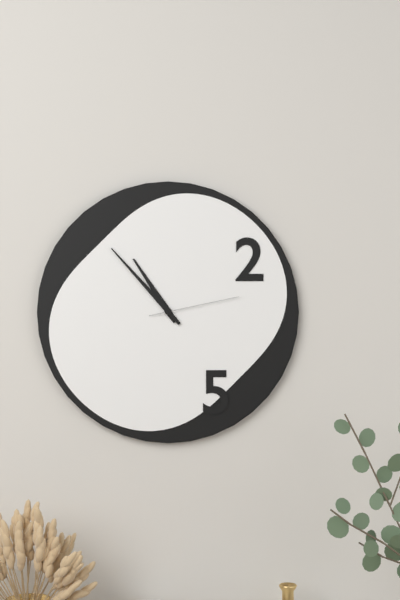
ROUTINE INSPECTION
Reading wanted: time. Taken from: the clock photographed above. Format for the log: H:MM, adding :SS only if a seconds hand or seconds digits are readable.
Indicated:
10:53:13
